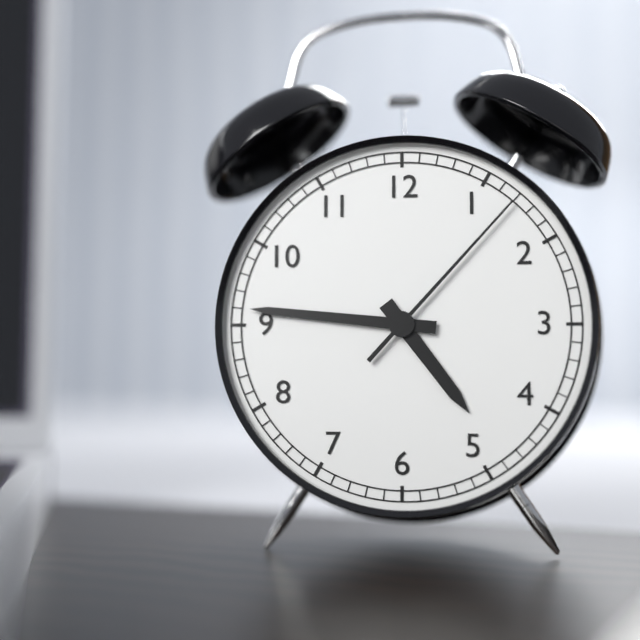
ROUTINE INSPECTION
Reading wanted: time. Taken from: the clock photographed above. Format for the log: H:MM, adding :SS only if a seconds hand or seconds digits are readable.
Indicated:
4:46:07
